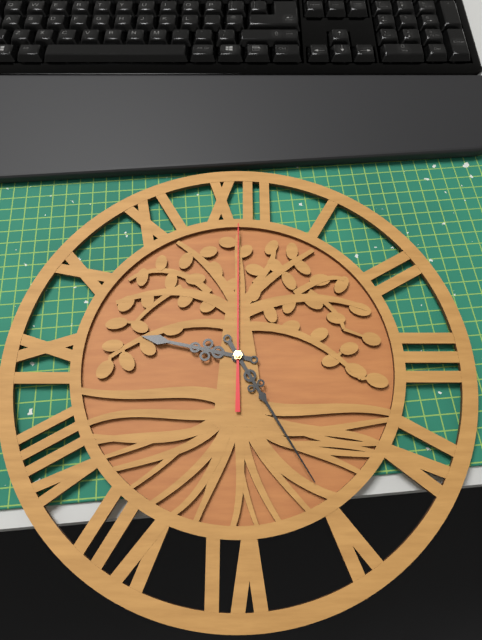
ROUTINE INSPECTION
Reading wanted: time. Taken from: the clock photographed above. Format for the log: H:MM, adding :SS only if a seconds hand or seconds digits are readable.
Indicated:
9:25:00
